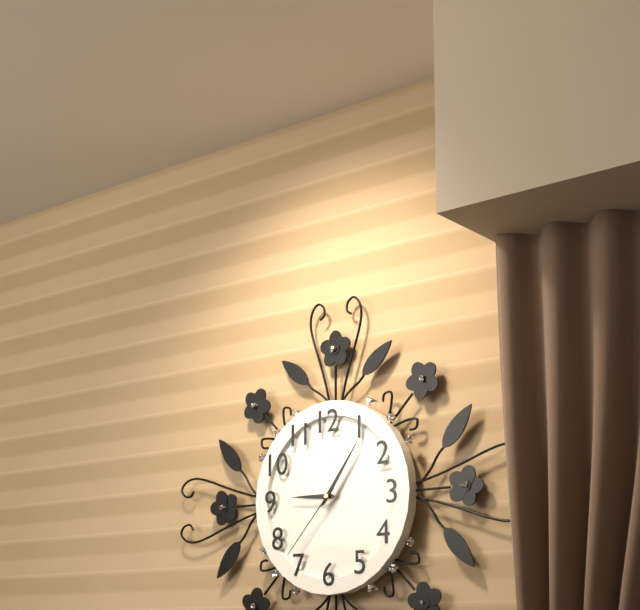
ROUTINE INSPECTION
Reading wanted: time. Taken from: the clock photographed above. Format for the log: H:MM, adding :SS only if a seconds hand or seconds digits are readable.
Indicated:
9:06:37
